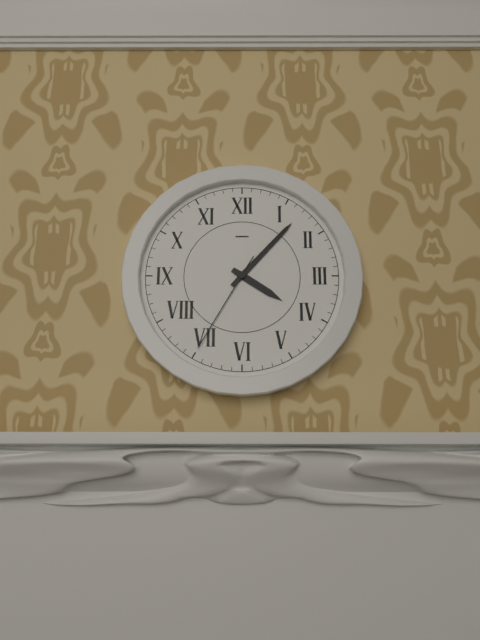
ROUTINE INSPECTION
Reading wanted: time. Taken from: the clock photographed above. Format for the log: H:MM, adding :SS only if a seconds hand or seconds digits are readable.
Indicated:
4:07:35
